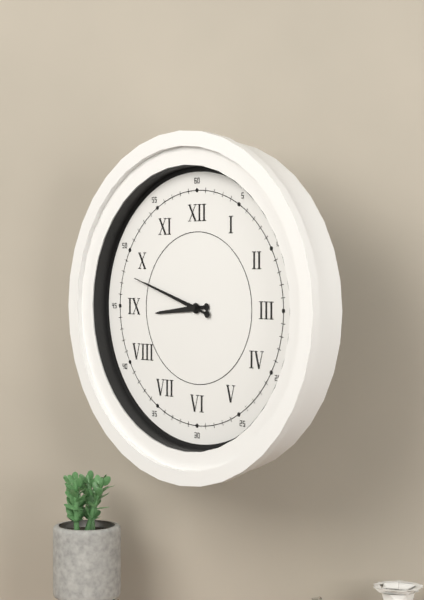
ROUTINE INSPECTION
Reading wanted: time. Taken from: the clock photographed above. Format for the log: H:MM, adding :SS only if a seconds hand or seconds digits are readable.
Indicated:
8:48:48
